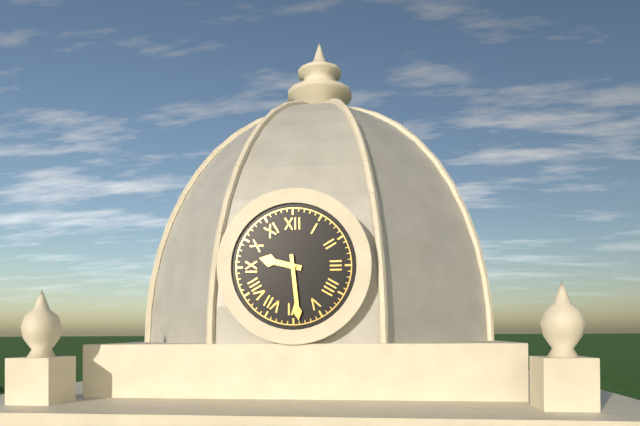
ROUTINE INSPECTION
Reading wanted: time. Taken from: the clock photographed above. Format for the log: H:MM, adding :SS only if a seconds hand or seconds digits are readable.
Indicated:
9:29
